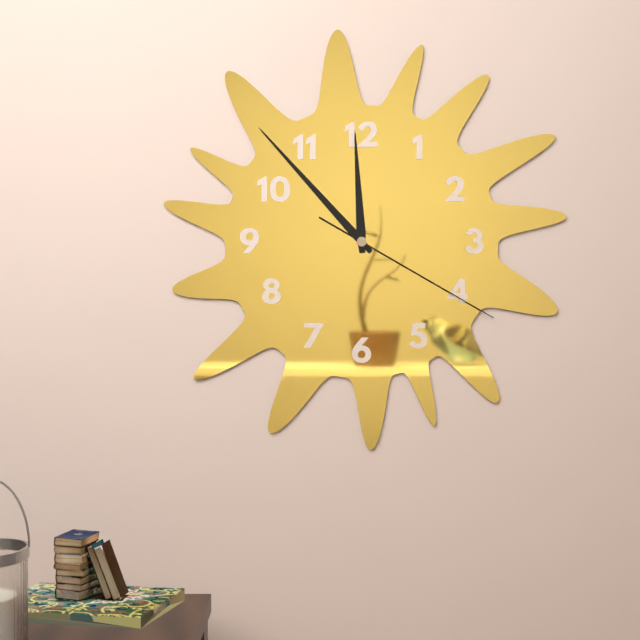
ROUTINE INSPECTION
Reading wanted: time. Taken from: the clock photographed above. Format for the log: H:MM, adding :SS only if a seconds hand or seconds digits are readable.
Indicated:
11:53:20
